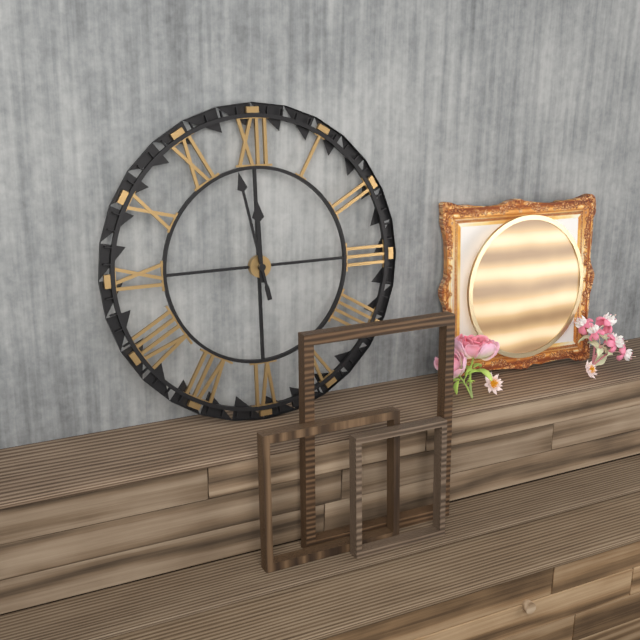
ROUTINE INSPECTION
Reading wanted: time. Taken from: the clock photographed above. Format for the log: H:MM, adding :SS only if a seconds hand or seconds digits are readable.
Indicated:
11:58
